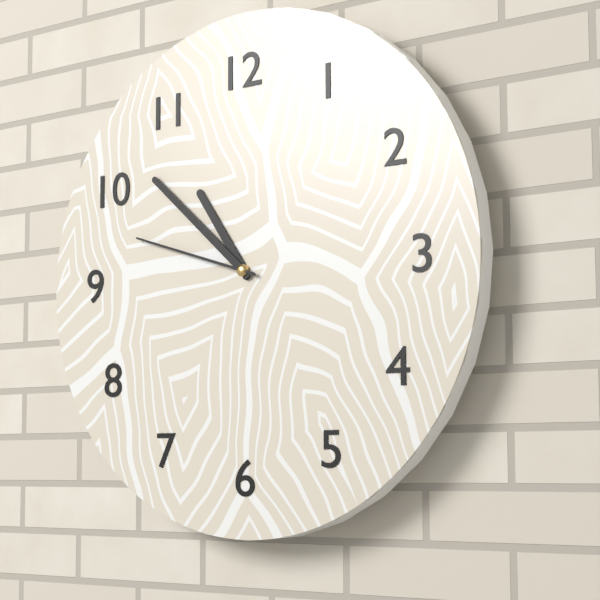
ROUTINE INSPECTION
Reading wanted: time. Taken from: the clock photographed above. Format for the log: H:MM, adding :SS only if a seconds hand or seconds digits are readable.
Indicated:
10:52:48
